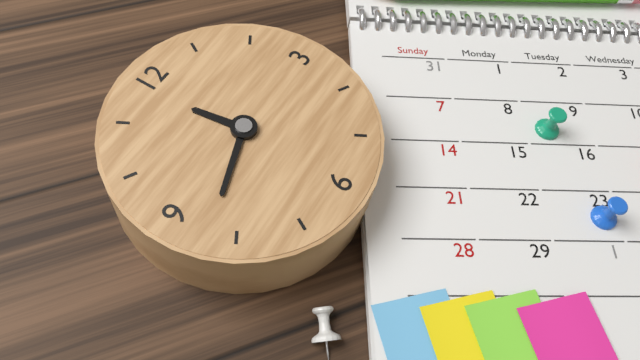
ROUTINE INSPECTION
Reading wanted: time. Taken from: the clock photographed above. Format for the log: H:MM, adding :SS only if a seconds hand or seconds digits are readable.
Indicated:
11:42
